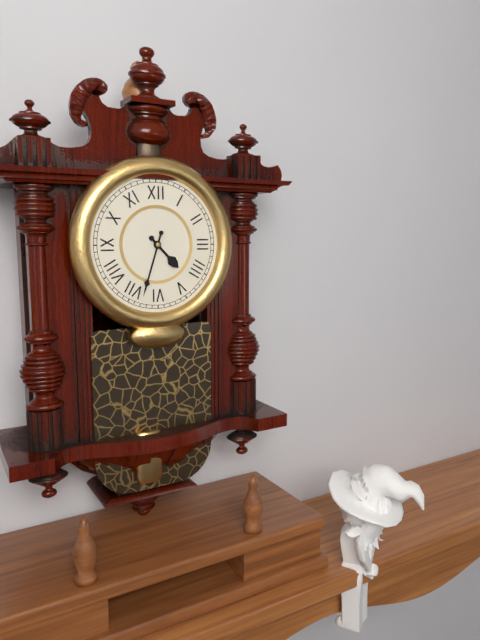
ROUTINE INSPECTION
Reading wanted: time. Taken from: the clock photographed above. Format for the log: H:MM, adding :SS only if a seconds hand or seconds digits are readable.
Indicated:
4:33
